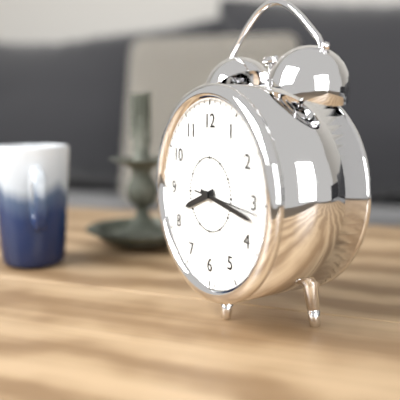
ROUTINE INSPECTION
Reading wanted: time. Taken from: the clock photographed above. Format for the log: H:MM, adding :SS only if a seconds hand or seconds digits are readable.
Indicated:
8:17:16
